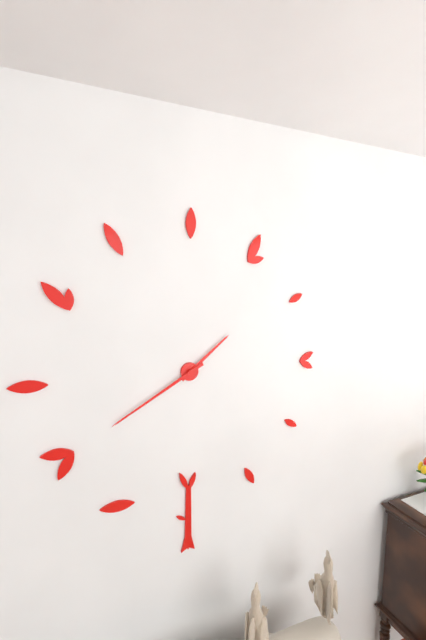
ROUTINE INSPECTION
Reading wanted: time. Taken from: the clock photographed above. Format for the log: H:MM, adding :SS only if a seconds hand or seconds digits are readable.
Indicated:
1:40
